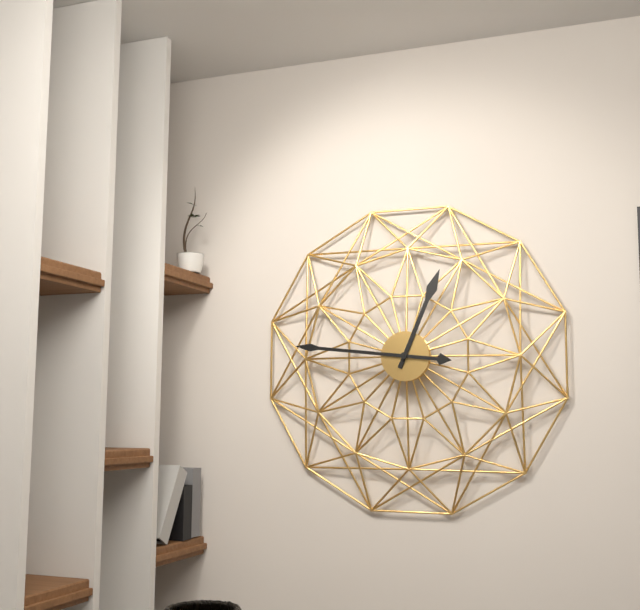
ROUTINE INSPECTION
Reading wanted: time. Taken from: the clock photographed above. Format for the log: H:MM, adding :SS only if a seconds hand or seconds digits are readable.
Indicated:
12:46
